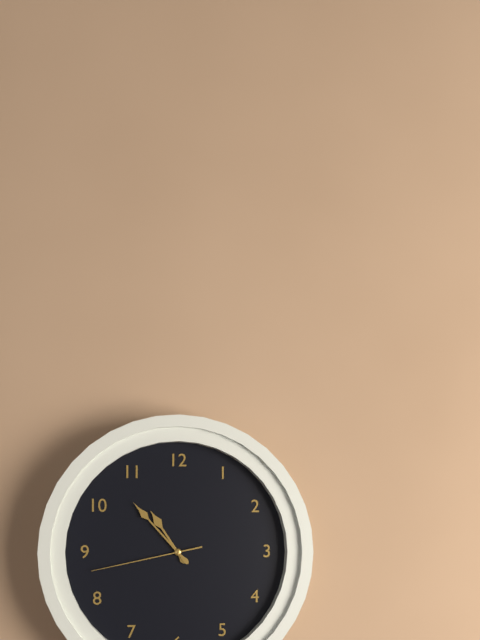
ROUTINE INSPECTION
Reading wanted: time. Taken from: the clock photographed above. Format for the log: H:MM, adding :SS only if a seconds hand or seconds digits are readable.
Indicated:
10:53:43
